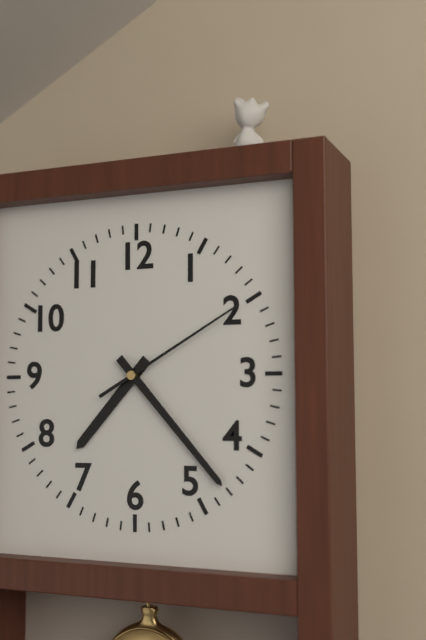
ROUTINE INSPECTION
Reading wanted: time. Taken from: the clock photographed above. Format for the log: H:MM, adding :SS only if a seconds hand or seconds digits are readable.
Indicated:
7:23:10
